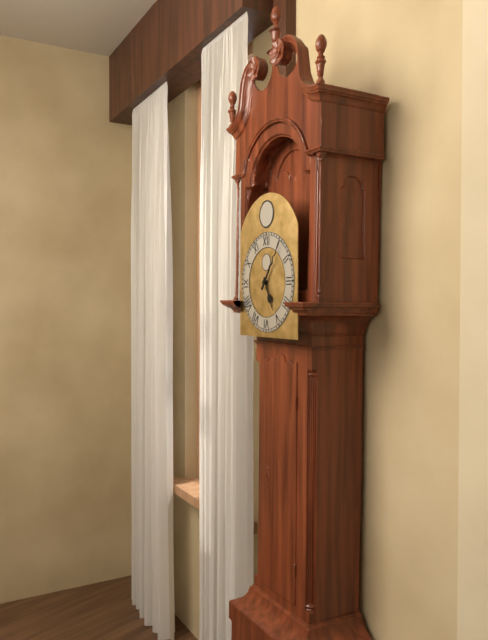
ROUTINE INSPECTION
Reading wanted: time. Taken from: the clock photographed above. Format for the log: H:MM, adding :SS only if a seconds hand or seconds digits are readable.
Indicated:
5:06
